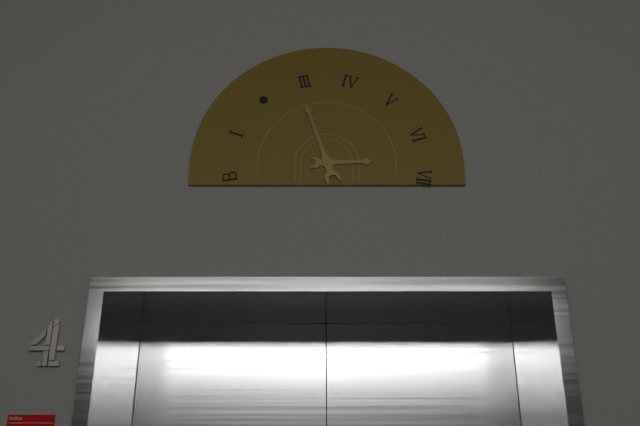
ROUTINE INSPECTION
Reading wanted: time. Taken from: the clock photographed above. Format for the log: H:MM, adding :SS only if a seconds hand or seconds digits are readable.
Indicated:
2:57
